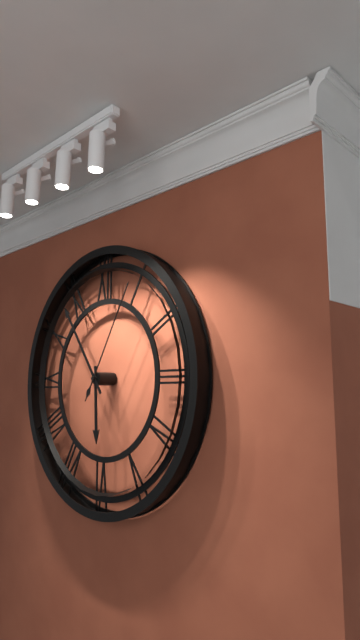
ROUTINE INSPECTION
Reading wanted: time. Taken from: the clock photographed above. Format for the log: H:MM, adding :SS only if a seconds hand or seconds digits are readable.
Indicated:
5:54:05
